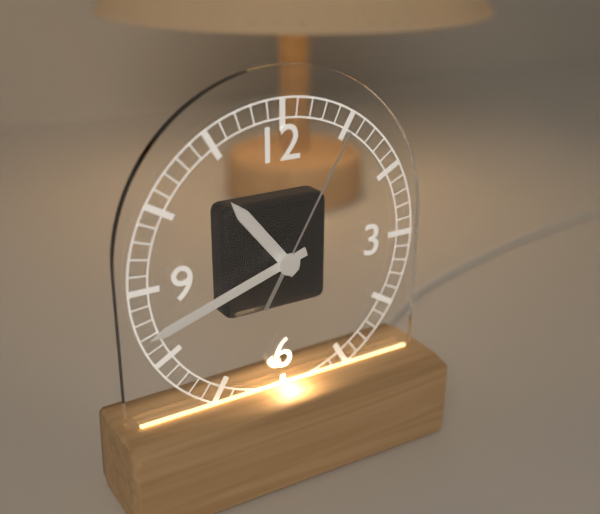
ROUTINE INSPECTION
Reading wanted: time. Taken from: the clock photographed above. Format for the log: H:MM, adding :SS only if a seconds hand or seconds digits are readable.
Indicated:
10:42:05
